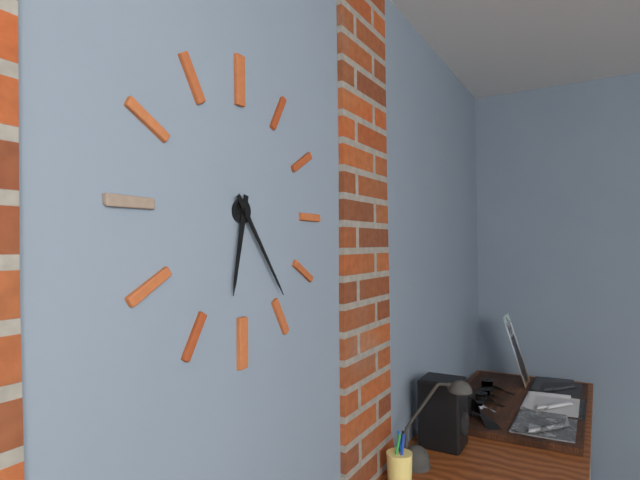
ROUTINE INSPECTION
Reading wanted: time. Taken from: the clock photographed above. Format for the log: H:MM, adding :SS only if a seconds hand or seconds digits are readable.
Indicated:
6:24
